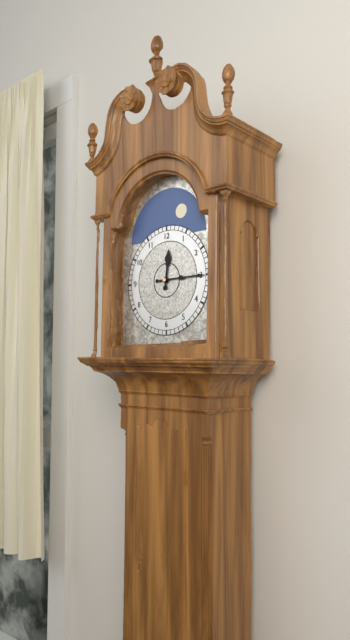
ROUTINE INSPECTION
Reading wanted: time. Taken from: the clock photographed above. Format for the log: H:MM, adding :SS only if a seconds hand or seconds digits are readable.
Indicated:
12:15
